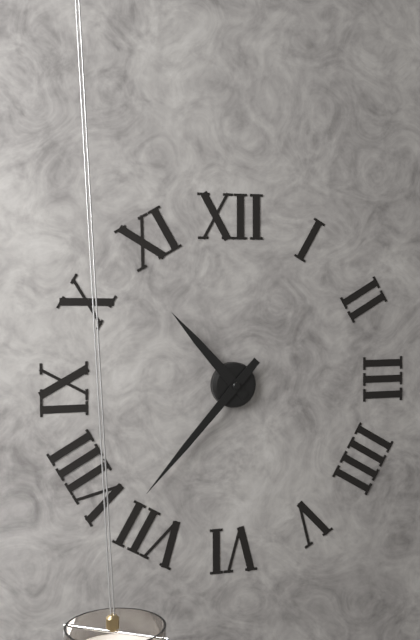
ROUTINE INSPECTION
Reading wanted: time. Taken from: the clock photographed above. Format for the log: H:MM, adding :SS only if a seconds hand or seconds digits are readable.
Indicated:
10:37
